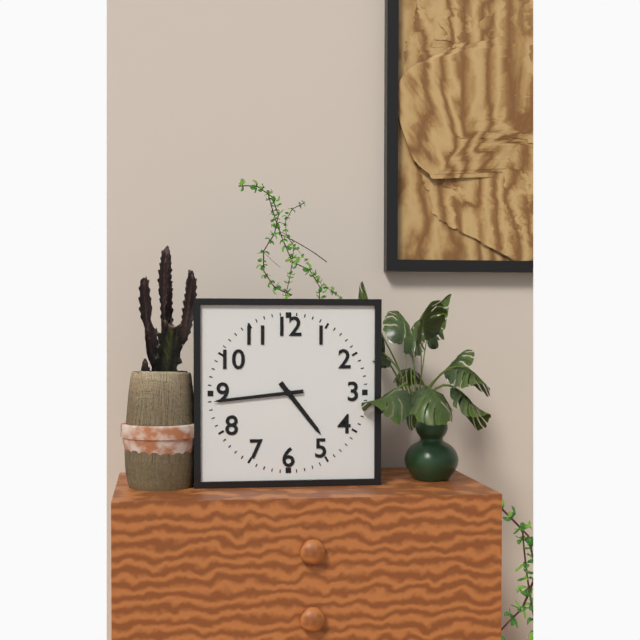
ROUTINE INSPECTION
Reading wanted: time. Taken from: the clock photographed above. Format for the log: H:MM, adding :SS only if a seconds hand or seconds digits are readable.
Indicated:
4:44
